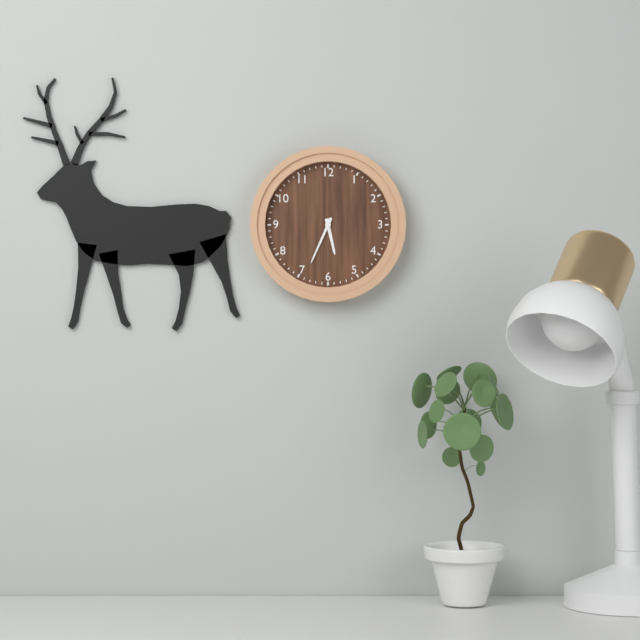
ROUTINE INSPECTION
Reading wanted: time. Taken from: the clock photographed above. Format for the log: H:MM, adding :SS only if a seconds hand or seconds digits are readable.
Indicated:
5:34
